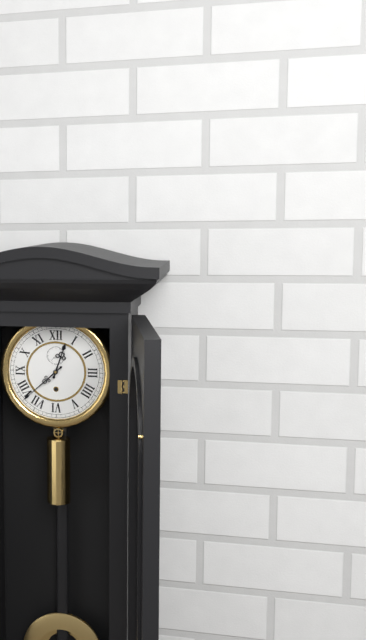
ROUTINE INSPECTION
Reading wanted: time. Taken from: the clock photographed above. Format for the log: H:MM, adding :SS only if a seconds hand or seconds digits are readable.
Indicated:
12:38
